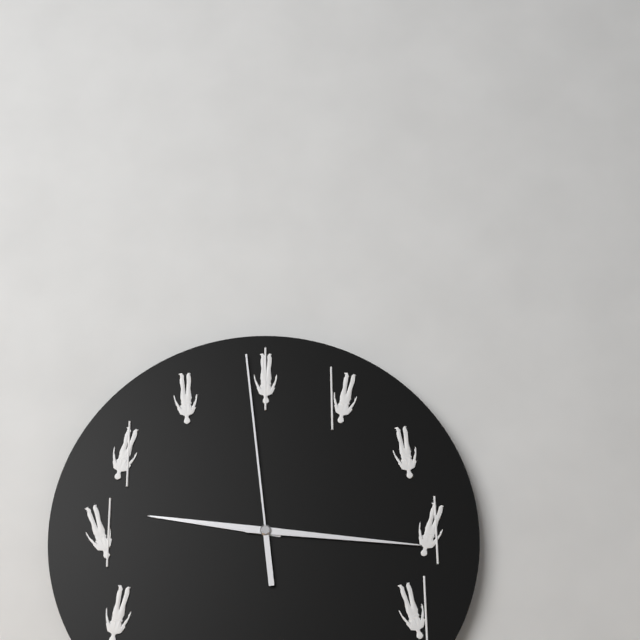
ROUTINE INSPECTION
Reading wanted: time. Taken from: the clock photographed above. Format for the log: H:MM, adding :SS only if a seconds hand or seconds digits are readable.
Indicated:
9:16:59
